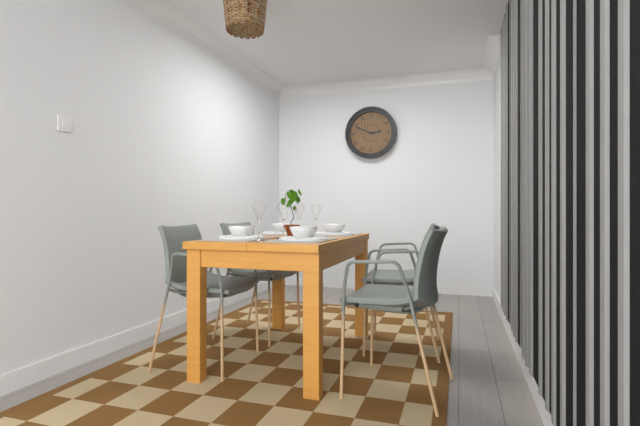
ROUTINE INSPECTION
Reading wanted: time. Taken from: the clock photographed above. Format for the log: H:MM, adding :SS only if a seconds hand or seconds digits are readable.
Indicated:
2:49
